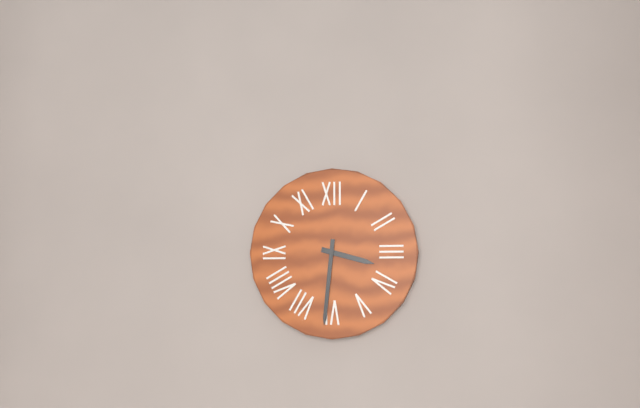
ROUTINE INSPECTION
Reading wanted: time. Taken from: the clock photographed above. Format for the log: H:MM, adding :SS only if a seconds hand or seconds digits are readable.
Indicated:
3:31
